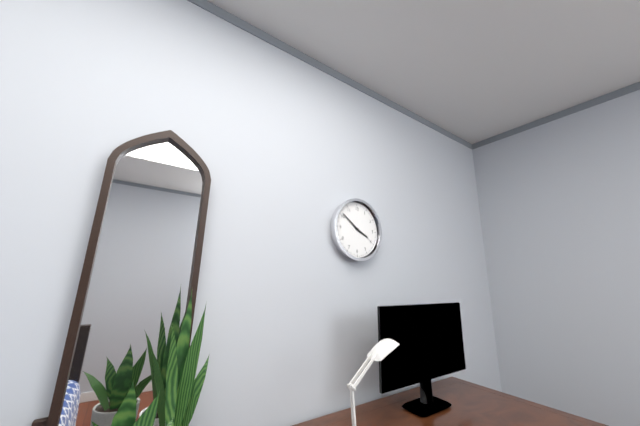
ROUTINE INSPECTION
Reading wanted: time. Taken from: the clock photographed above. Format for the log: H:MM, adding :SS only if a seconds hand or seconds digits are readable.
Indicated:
3:51
